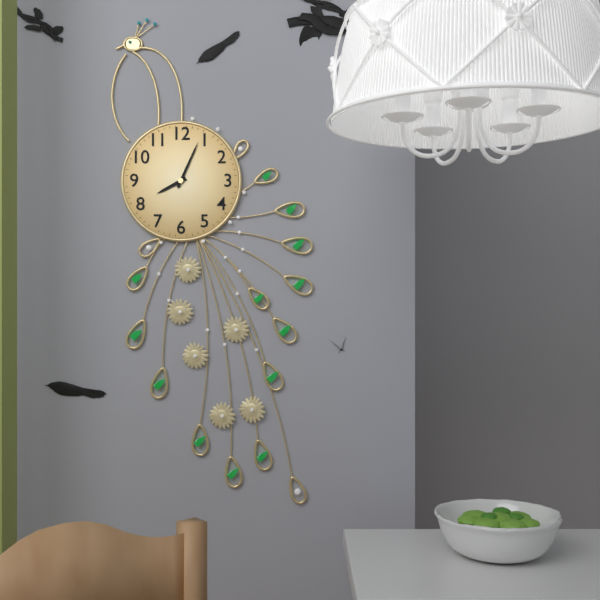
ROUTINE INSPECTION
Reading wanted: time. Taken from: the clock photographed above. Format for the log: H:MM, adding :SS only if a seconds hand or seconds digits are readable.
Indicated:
8:04
